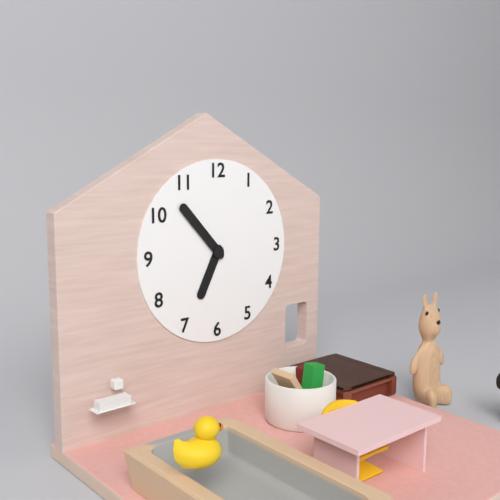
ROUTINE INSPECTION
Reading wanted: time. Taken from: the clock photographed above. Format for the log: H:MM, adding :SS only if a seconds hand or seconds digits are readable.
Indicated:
6:53
